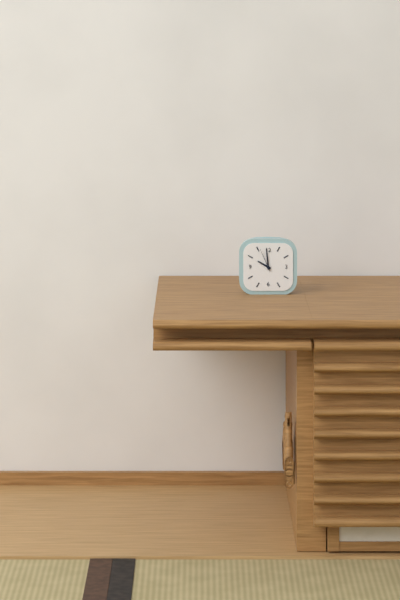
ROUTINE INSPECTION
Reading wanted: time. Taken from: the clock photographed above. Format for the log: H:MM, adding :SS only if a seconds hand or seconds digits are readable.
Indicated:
9:59
